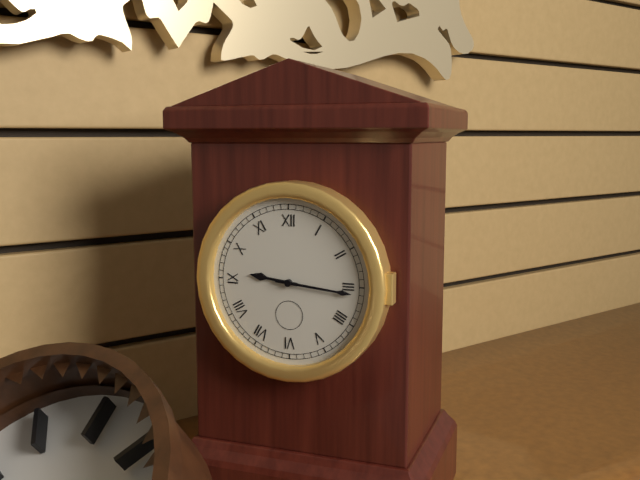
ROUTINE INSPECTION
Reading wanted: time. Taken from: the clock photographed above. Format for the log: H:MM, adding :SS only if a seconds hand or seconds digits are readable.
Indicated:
9:16
